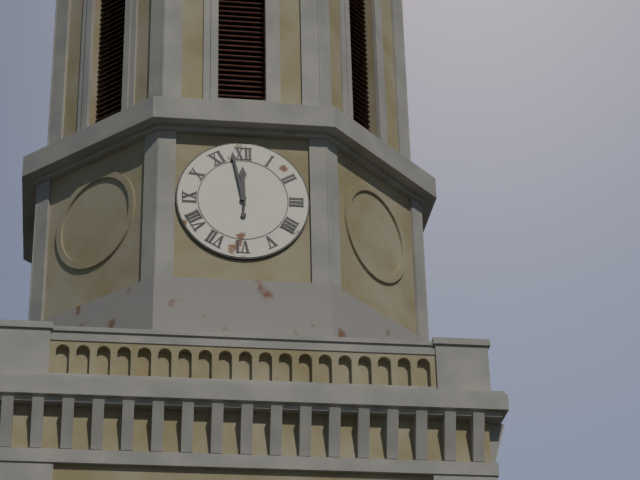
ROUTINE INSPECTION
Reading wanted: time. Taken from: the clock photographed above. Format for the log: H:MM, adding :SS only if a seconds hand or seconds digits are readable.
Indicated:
11:58
